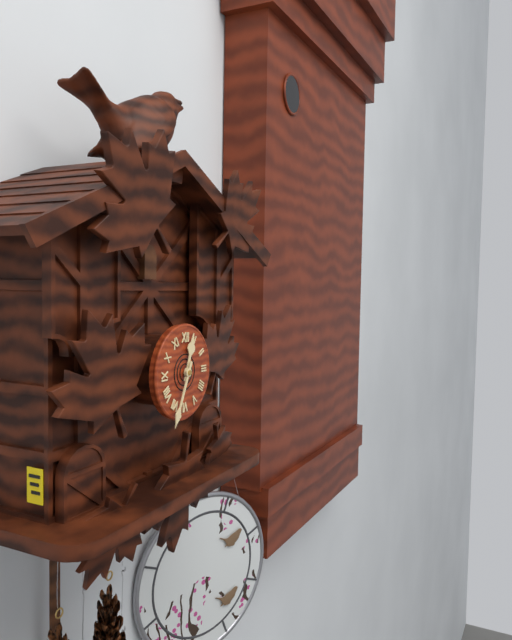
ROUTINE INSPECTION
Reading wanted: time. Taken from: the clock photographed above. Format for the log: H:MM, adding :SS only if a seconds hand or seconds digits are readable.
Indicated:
12:34
